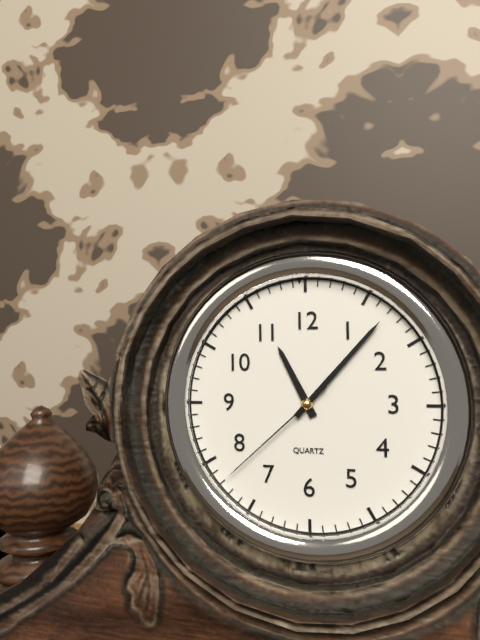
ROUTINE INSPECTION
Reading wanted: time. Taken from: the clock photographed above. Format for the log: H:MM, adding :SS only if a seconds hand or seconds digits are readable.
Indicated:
11:07:38
